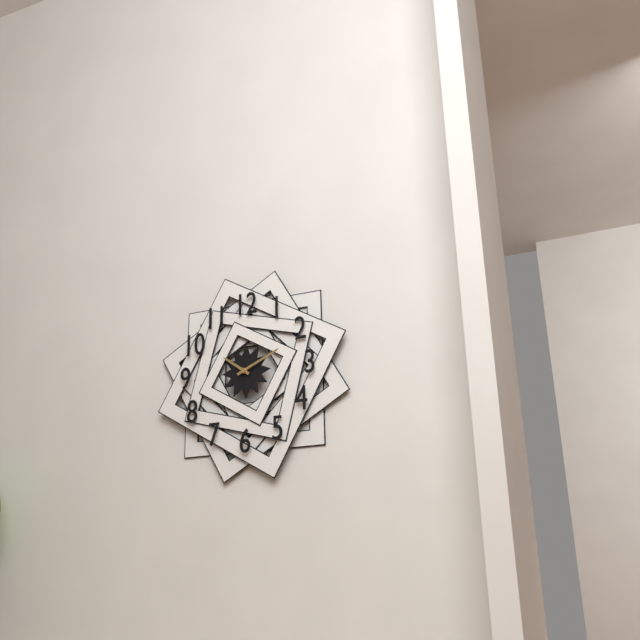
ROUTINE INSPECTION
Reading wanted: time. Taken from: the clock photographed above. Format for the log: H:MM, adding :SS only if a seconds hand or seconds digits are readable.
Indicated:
10:11
